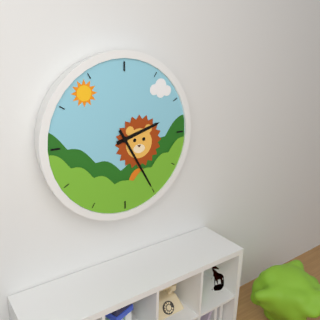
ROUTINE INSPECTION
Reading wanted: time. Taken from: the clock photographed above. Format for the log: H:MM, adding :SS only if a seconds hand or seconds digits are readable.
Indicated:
2:25
